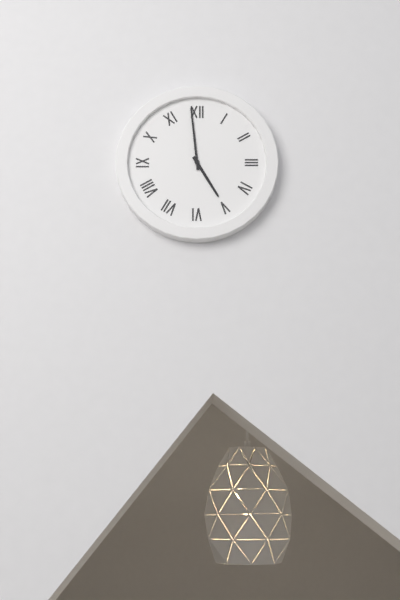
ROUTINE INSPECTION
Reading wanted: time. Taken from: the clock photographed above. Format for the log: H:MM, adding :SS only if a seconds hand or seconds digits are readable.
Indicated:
4:59
